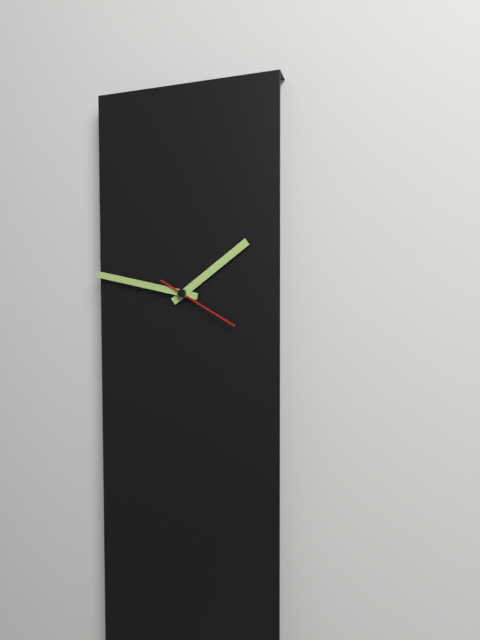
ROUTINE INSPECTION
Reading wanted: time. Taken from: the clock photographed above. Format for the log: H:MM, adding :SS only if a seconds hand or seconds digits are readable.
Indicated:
1:47:20
